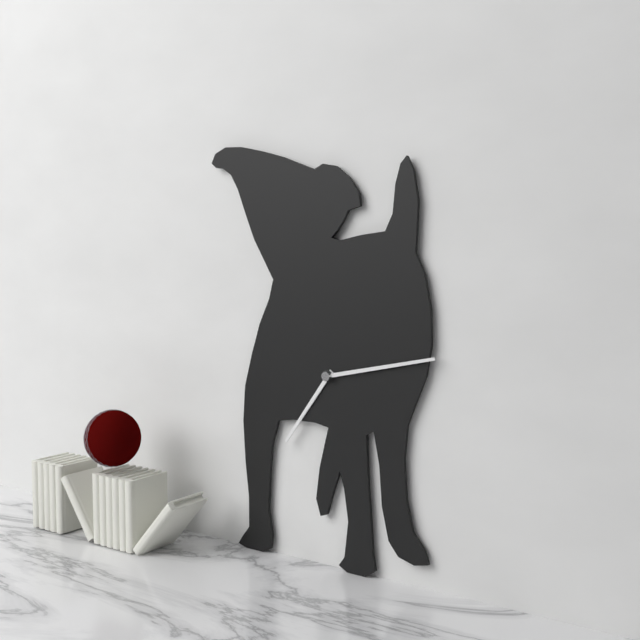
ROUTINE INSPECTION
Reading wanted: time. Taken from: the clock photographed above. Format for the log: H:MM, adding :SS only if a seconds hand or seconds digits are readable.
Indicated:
7:13
